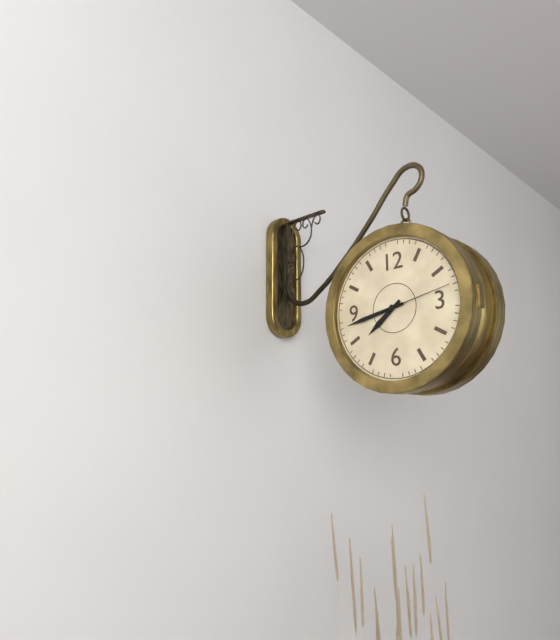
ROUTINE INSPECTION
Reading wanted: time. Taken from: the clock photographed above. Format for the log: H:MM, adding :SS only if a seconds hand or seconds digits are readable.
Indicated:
7:43:13
